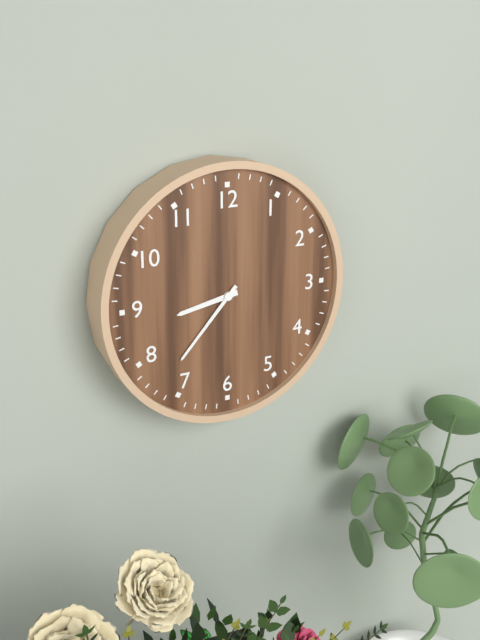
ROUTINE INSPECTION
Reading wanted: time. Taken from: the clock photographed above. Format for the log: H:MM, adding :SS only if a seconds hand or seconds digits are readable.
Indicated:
8:37
